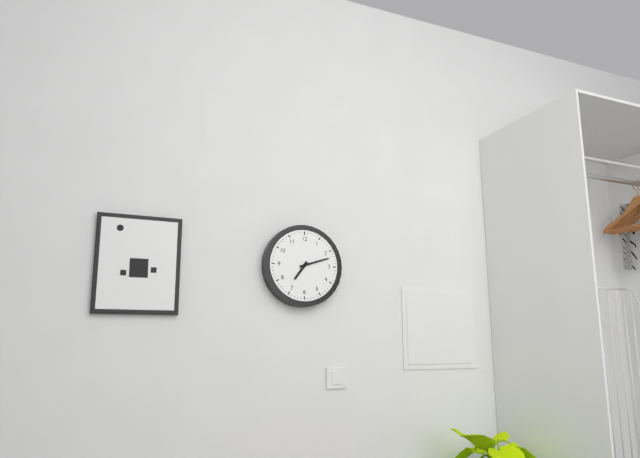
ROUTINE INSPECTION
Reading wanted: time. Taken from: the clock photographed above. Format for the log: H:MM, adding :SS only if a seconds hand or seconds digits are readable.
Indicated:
7:12
